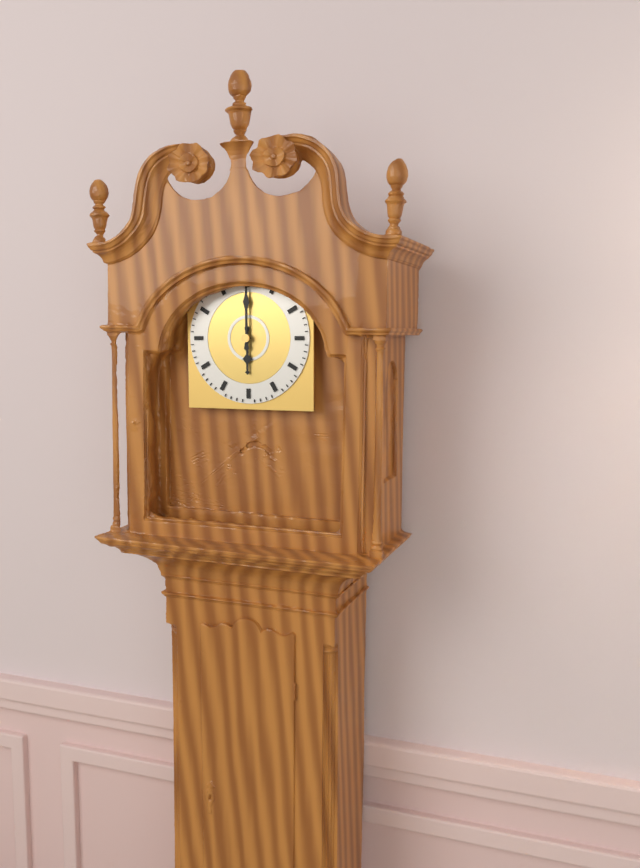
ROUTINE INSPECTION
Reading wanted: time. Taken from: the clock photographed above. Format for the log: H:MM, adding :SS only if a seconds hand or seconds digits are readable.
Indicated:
6:00
